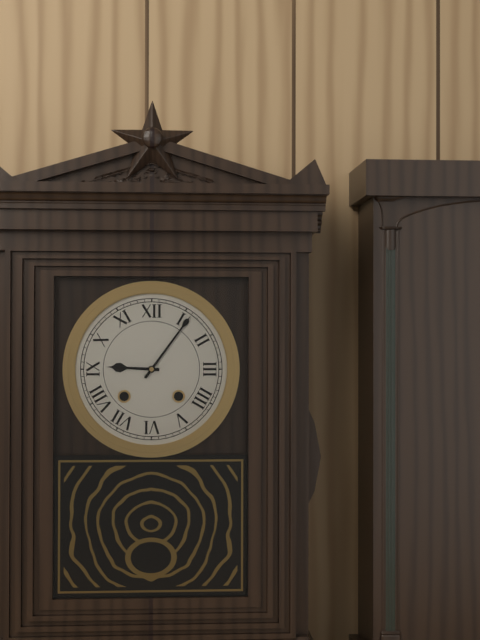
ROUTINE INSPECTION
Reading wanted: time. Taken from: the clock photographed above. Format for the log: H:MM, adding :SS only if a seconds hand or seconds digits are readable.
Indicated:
9:06
